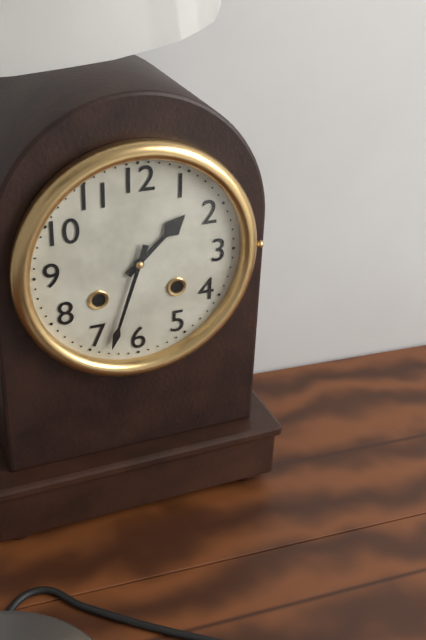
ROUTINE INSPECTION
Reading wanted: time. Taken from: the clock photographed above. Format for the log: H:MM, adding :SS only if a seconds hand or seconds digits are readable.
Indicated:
1:33
